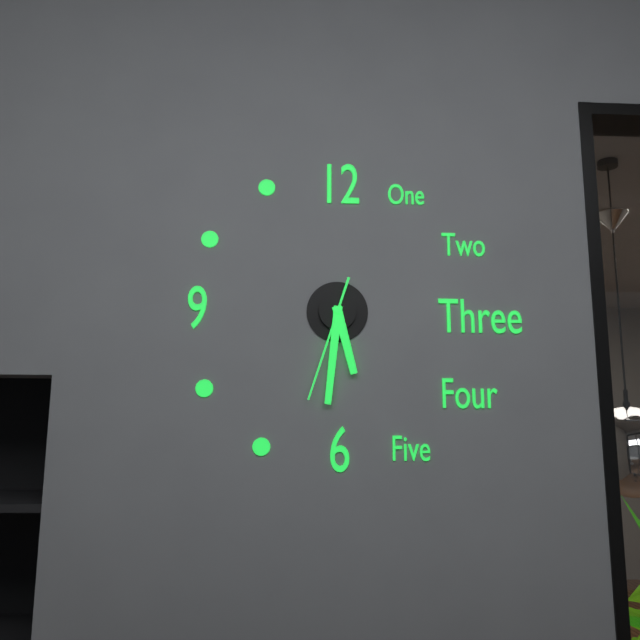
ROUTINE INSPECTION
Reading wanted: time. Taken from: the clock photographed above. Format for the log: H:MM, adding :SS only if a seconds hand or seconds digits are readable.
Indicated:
5:31:33
